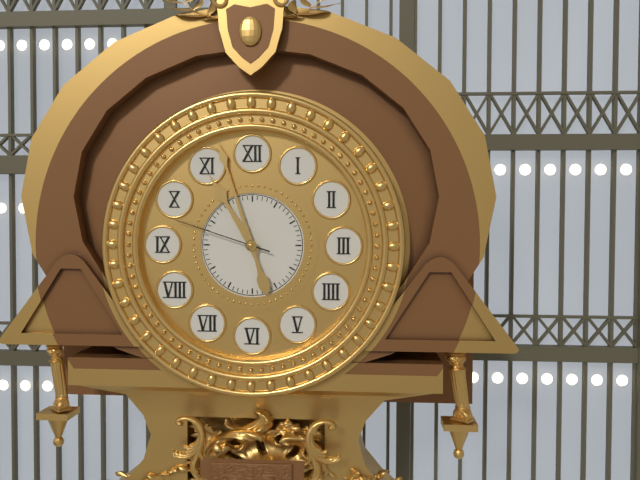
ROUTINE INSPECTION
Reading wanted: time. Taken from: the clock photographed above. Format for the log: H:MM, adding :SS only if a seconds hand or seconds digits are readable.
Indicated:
10:57:48
